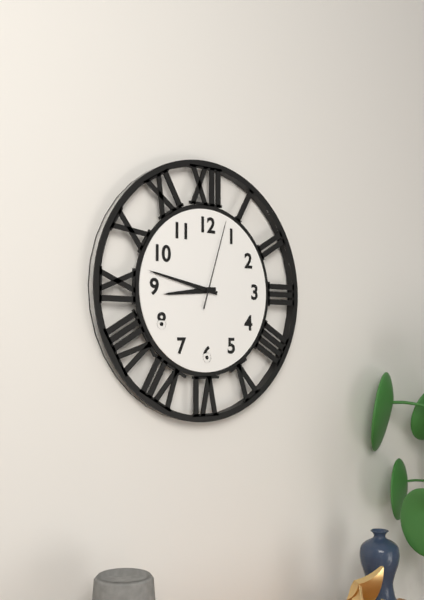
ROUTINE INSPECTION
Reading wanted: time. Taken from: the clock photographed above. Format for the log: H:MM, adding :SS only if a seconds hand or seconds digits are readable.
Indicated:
8:47:03
